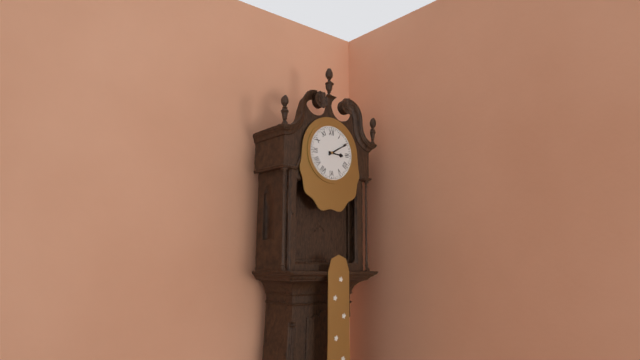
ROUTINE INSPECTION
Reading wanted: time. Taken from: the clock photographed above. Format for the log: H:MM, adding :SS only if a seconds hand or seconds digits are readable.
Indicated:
3:10
